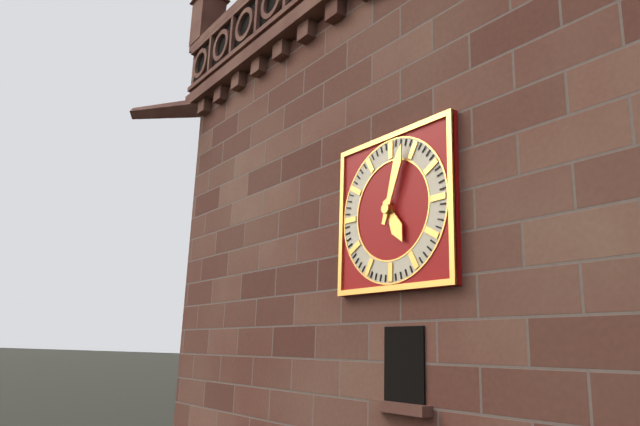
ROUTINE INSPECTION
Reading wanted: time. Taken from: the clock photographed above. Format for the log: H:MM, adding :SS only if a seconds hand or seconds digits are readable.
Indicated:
5:03
